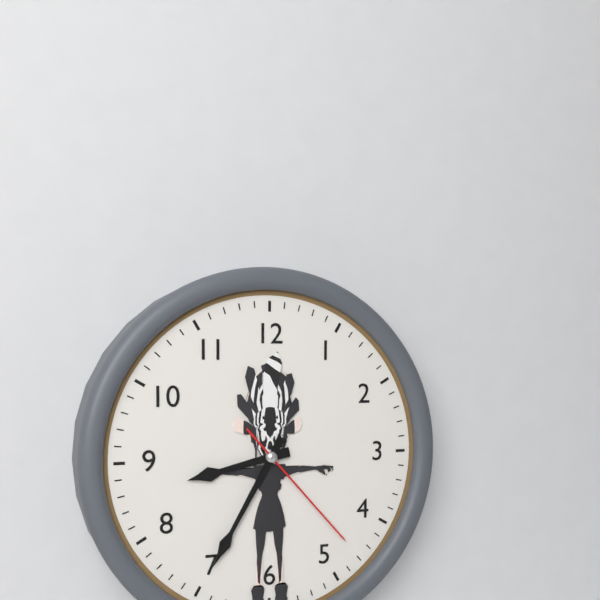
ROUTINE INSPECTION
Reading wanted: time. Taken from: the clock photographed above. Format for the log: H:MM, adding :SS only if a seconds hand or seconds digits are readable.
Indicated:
8:35:23
